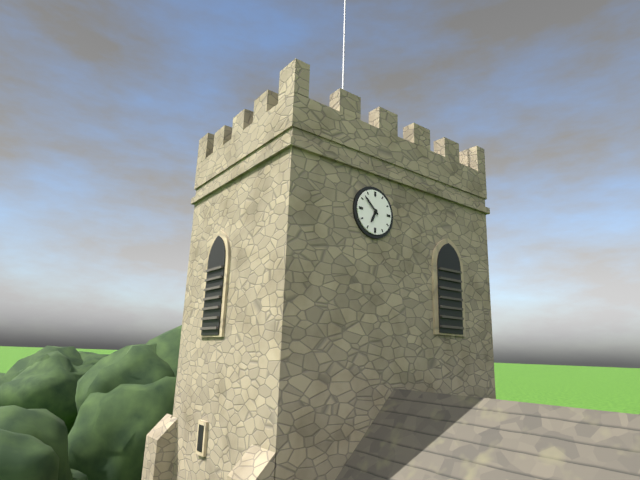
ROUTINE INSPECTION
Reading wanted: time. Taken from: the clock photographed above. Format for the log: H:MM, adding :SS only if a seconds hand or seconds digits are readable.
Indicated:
6:52
